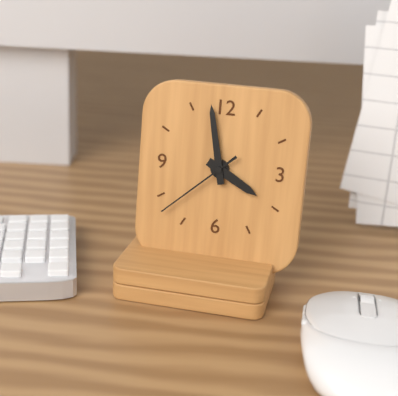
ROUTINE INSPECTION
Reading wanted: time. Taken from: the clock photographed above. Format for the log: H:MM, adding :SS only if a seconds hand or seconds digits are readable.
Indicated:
3:58:38
